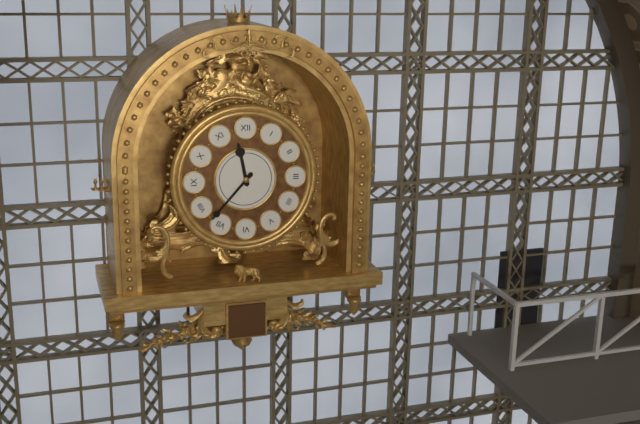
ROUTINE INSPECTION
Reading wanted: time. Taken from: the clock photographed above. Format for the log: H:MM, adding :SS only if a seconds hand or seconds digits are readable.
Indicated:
11:37
